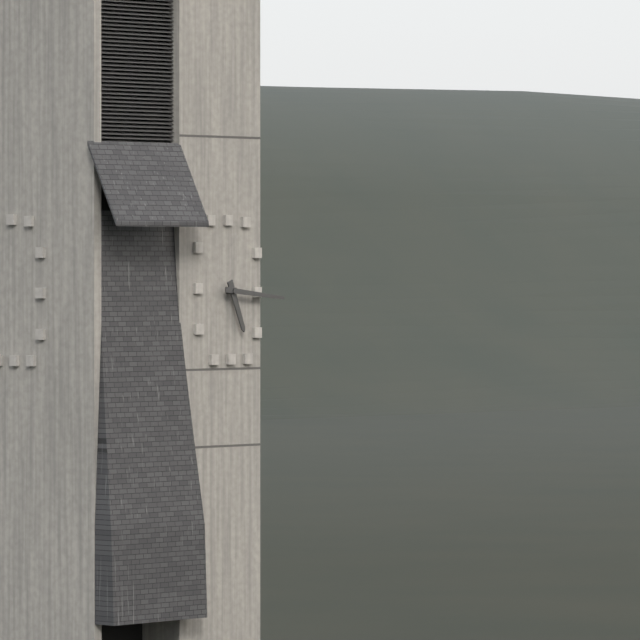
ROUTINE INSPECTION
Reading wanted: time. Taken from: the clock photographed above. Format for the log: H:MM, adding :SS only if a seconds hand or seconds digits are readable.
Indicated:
5:16
